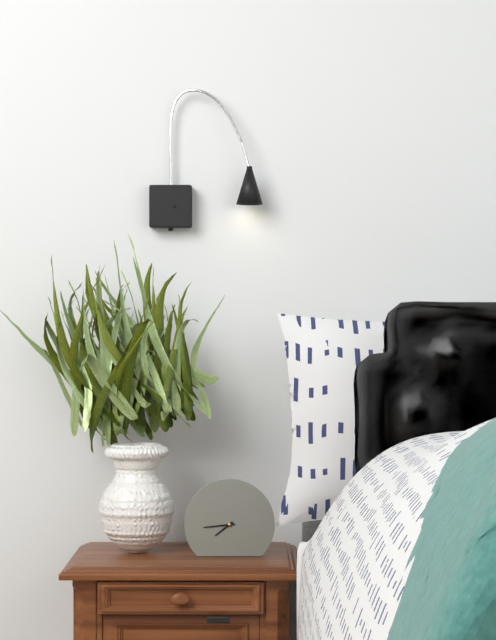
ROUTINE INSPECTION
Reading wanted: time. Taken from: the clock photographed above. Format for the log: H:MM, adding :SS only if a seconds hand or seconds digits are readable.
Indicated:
7:44
